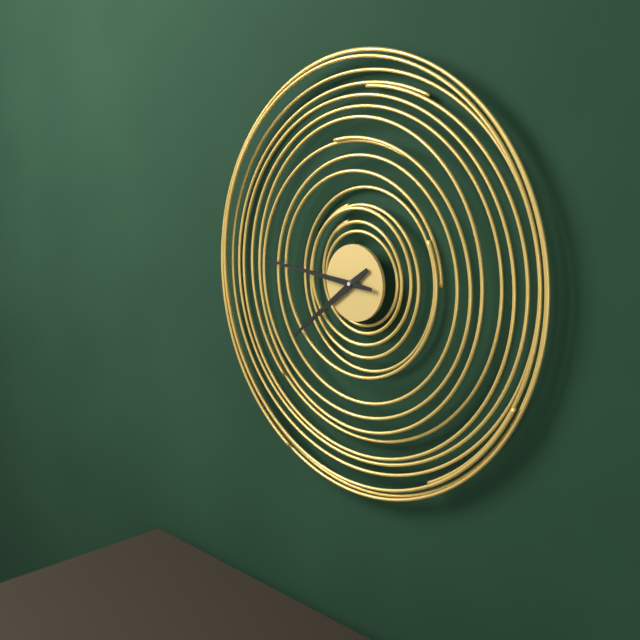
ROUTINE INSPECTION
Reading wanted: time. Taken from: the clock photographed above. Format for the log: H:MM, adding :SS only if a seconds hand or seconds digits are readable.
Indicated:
7:46
